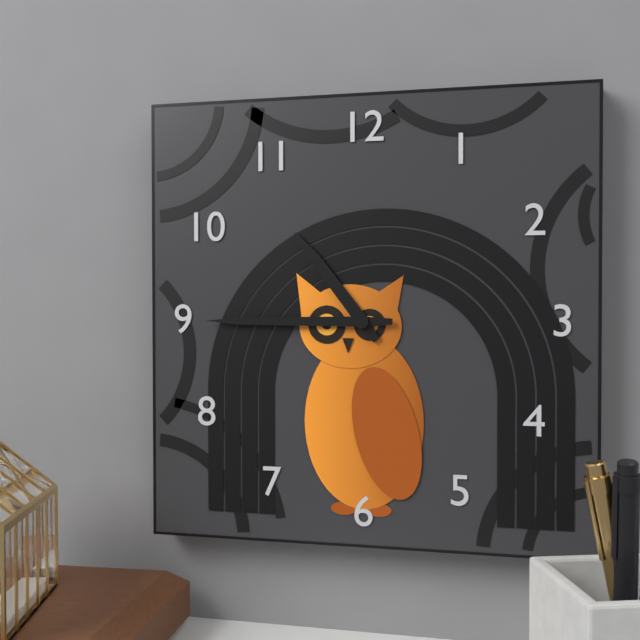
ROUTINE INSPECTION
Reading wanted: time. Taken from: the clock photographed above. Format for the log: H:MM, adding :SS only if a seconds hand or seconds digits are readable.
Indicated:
10:45
